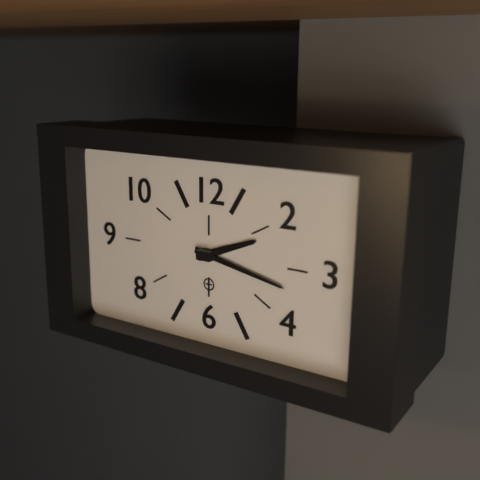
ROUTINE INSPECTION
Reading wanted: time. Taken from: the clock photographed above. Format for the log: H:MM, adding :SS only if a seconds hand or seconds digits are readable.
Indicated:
2:17
